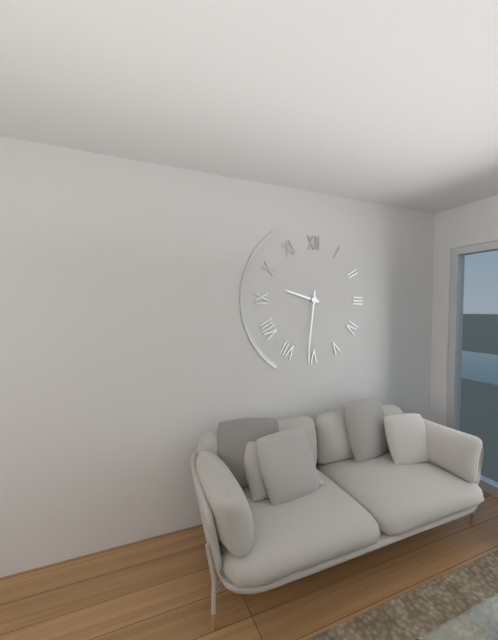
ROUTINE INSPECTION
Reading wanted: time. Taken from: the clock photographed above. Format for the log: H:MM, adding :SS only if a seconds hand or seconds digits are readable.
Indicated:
9:31
